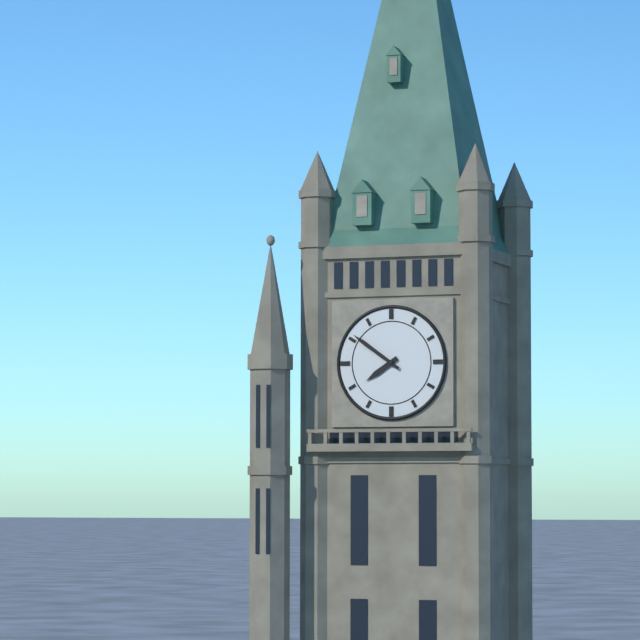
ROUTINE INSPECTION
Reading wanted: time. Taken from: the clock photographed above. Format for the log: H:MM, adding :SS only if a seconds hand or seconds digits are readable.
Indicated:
7:51
